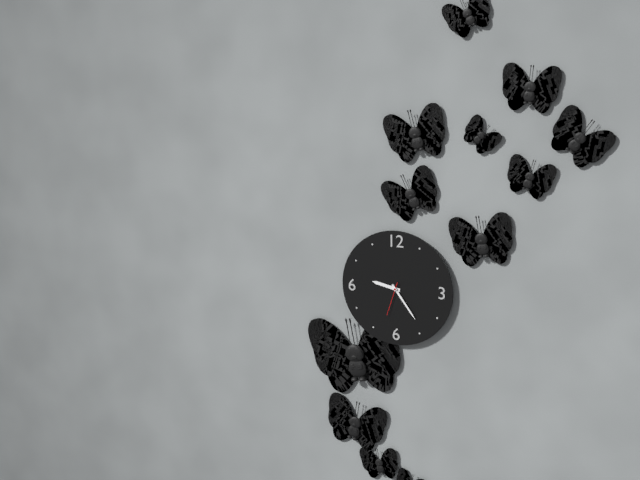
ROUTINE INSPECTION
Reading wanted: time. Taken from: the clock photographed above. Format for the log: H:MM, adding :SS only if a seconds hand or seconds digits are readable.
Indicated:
9:24
